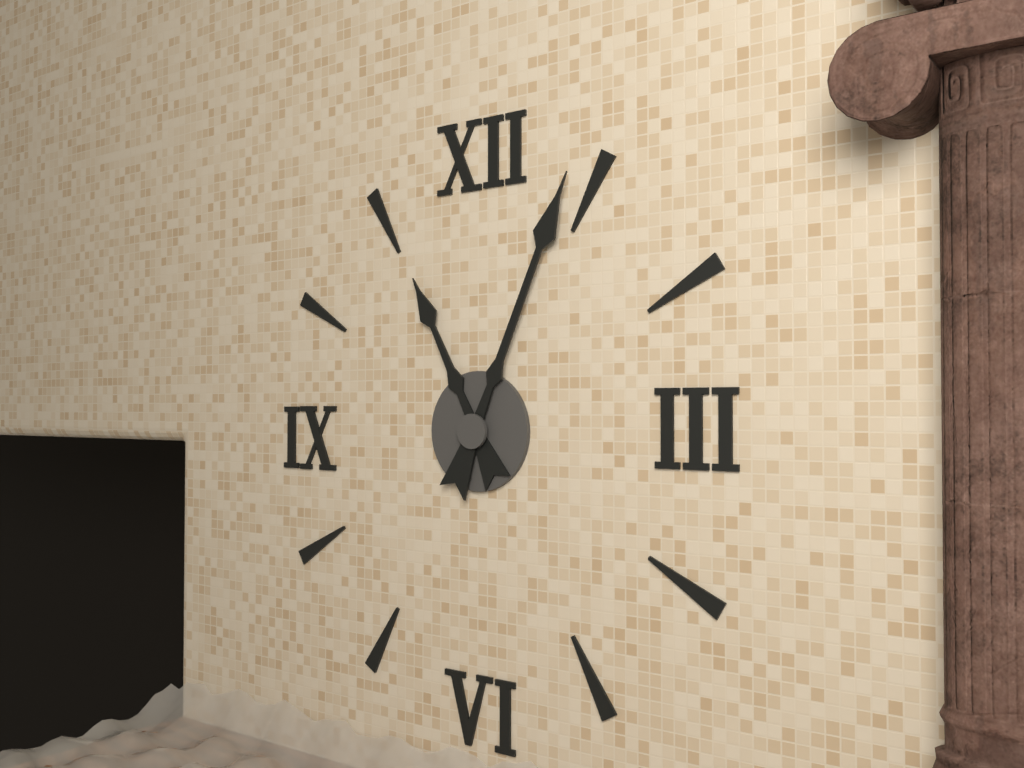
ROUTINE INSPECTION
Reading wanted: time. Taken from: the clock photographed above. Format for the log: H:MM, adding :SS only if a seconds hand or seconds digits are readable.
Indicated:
11:04
